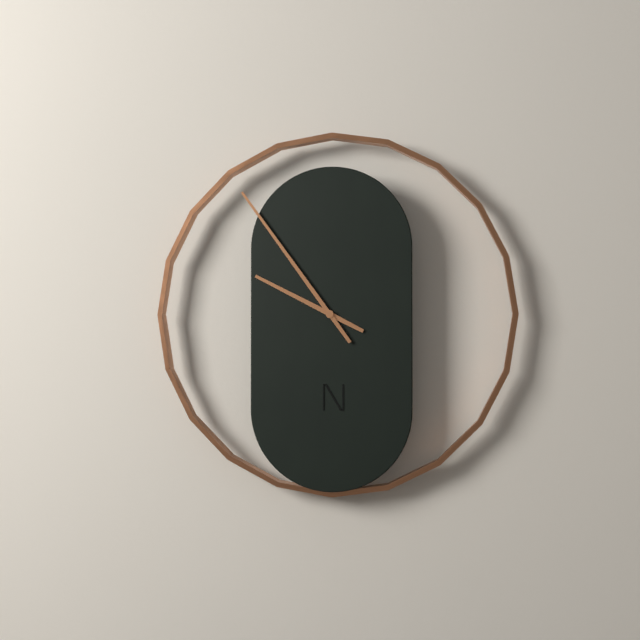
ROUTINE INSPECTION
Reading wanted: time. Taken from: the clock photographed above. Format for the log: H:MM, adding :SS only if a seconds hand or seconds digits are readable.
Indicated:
9:54
